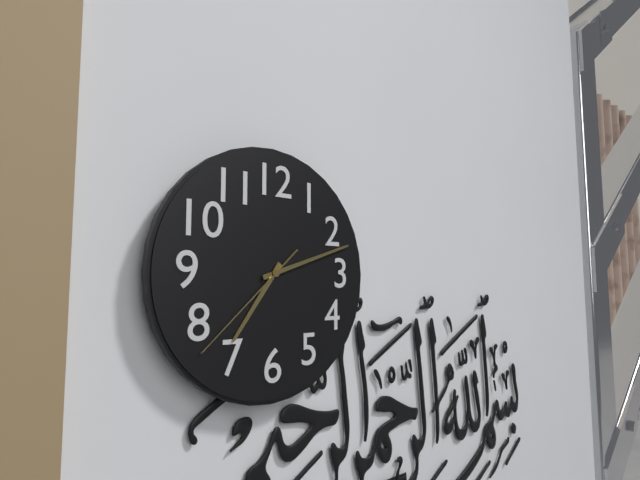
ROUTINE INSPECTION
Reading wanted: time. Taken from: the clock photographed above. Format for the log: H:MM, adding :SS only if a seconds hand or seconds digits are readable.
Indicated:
7:12:38
